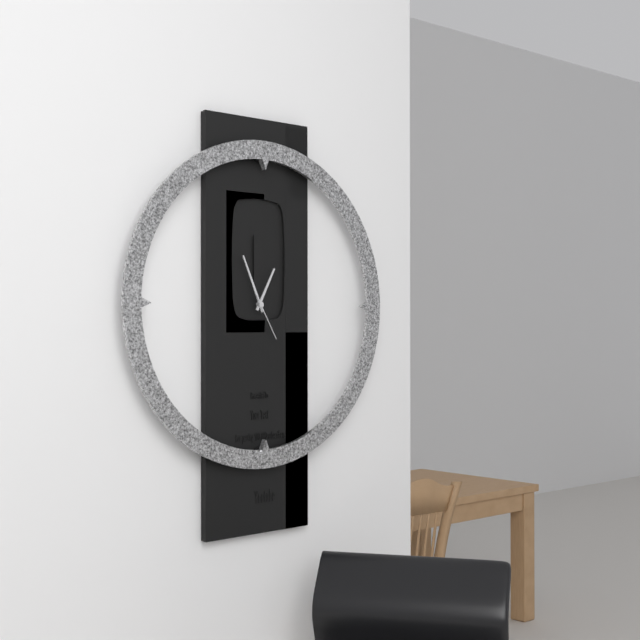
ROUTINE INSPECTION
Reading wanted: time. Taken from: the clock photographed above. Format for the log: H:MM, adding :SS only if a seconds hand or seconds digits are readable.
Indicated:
12:56
